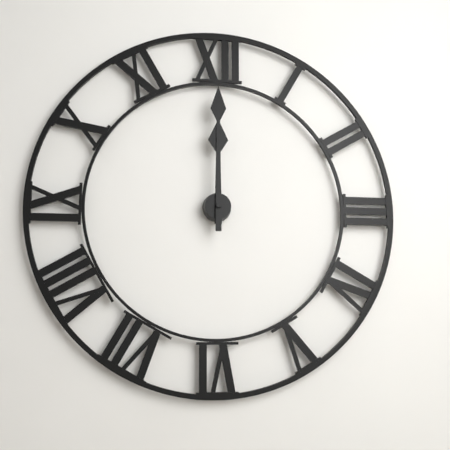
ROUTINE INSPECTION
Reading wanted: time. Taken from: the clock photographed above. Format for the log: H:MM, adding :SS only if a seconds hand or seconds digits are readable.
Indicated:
12:00
